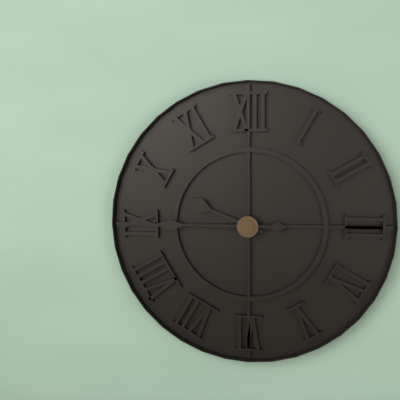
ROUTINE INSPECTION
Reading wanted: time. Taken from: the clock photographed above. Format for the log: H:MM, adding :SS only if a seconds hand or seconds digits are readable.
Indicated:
9:45
